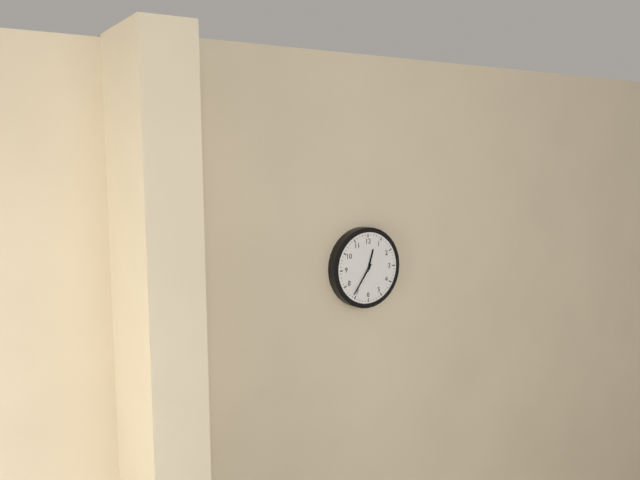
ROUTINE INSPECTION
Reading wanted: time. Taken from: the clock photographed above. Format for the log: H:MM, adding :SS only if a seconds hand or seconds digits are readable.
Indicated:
12:36
